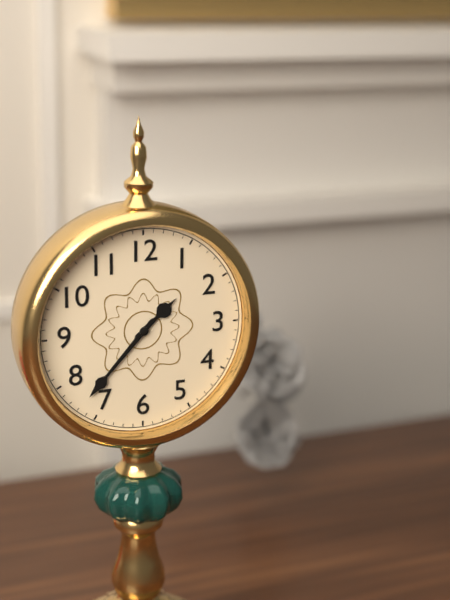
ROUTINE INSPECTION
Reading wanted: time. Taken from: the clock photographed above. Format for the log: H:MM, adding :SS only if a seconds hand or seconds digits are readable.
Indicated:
1:37
